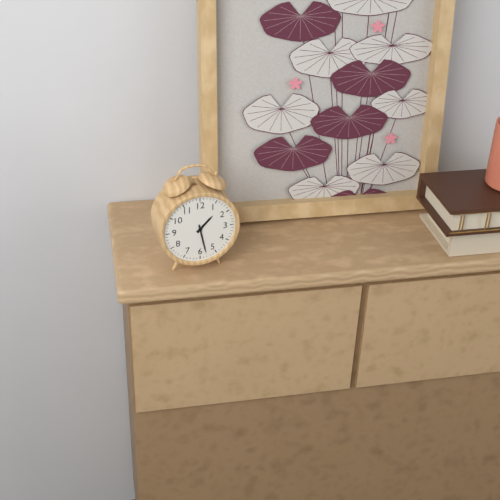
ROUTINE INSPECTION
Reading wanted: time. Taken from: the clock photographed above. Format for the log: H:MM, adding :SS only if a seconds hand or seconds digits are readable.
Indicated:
1:28
